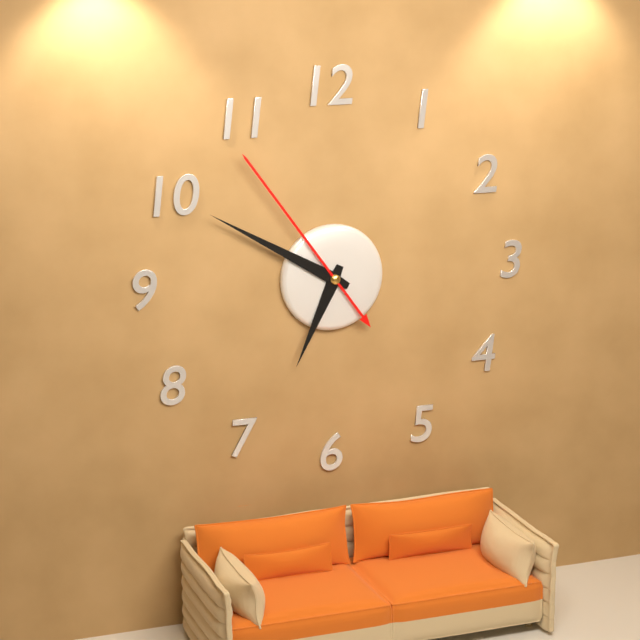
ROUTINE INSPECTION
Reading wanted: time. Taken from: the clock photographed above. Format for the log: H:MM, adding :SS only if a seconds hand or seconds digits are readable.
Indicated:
6:50:54
